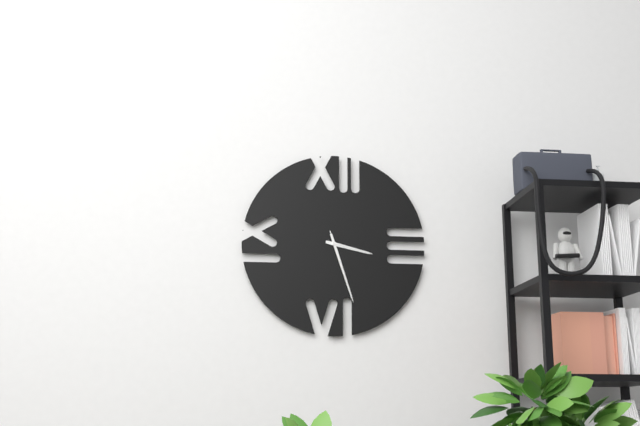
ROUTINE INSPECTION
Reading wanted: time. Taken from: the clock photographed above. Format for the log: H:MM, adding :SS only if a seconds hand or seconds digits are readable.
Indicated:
3:27:27
